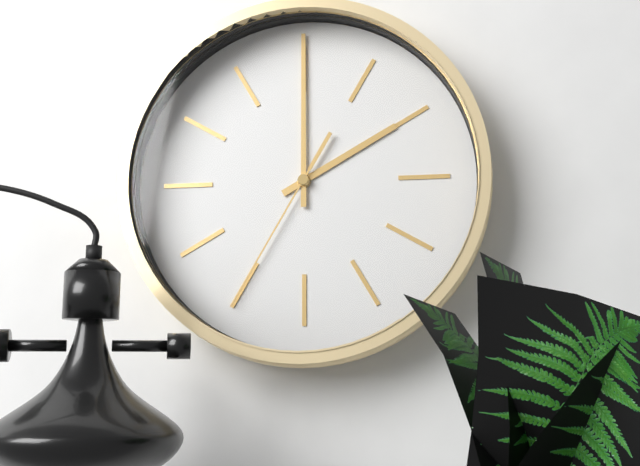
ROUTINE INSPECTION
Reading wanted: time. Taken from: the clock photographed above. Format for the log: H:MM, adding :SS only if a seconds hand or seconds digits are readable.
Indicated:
2:00:35
